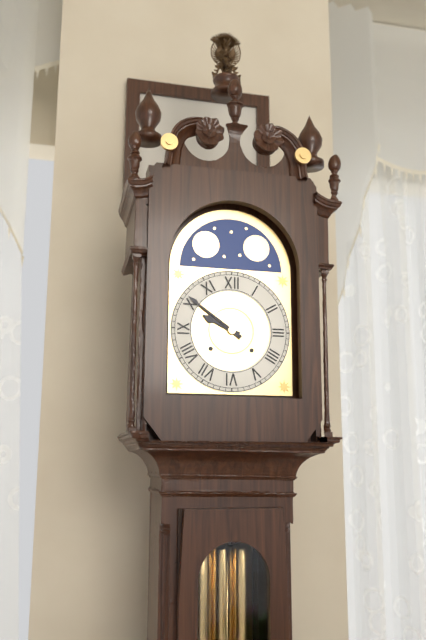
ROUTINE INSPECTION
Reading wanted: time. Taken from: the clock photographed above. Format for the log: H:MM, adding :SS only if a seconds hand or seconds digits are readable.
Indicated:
9:51
